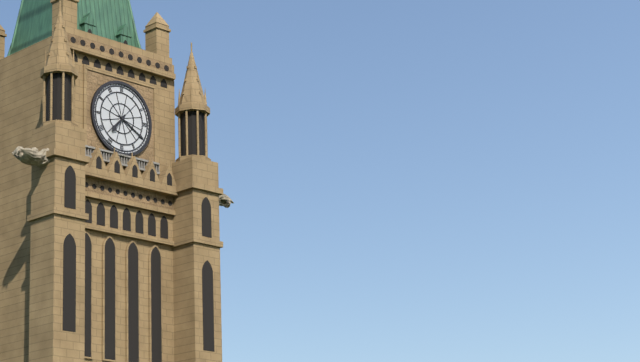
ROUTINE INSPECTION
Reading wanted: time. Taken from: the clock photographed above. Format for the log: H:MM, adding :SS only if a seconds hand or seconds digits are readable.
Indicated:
7:20
